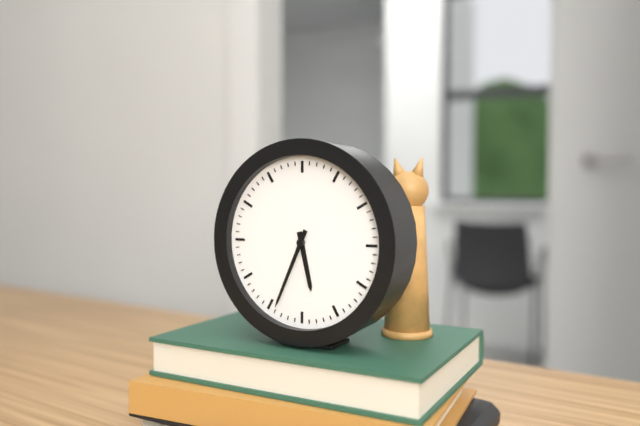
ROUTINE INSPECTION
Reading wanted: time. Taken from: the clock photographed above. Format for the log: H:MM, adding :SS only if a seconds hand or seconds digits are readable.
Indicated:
5:34
